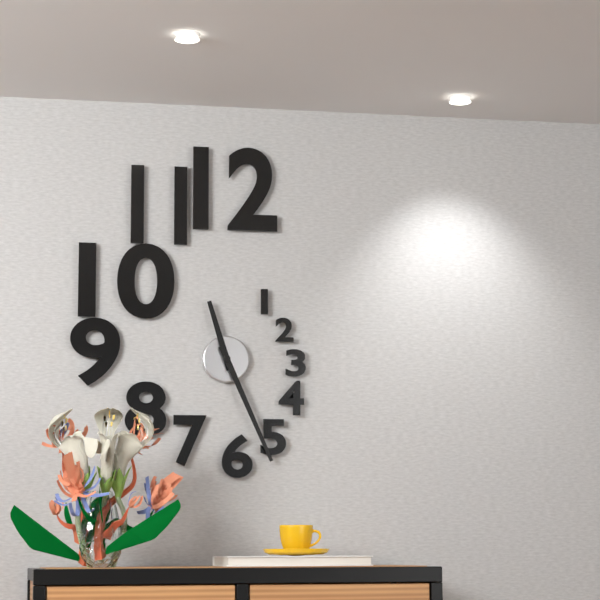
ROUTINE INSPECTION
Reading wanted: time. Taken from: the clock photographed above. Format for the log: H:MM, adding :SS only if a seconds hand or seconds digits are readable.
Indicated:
11:26
